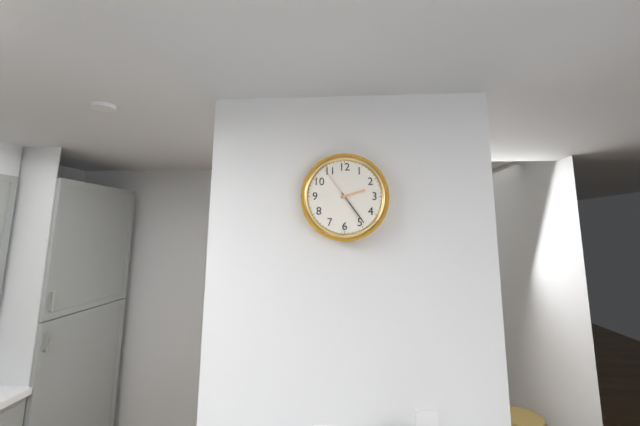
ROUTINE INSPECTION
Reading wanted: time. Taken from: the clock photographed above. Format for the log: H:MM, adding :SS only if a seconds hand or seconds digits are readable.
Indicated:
2:24
